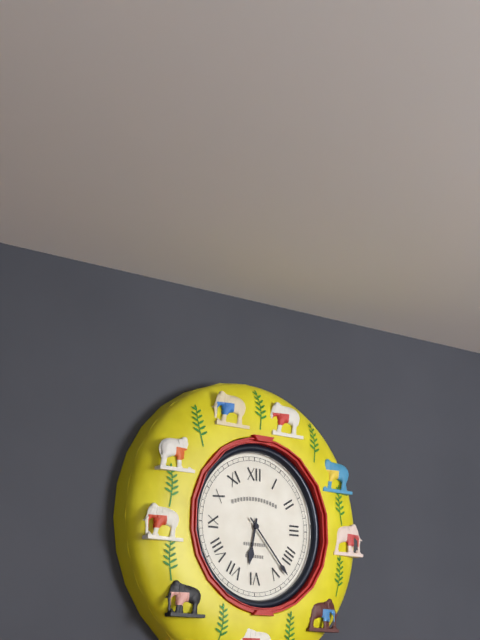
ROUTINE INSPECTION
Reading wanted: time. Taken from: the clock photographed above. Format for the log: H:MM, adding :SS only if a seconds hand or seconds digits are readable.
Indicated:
6:23
